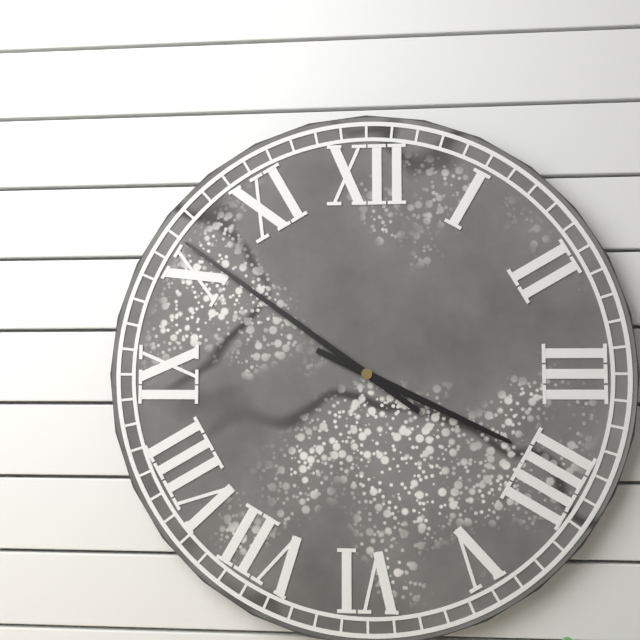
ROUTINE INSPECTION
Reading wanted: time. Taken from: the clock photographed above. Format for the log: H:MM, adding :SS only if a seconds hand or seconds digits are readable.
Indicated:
3:51
